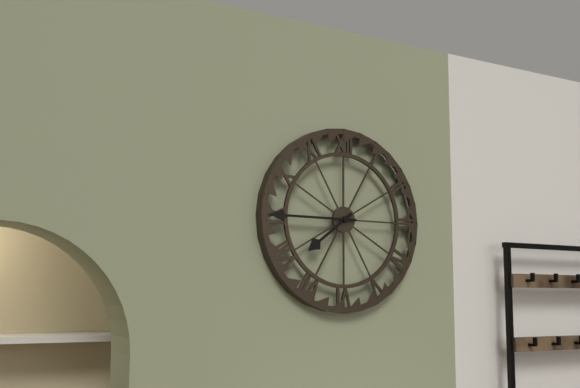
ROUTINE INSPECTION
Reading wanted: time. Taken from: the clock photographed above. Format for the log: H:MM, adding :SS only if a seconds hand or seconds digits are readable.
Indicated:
7:45
